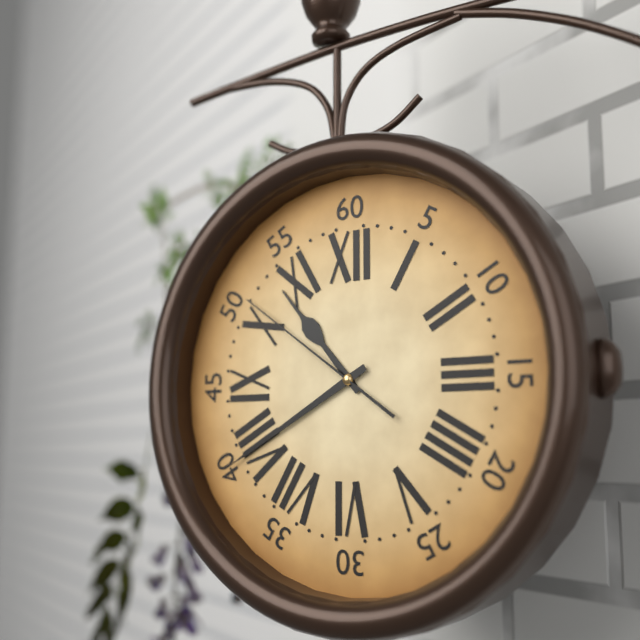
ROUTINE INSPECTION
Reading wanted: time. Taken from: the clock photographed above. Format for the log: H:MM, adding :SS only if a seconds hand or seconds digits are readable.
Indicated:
10:40:51
